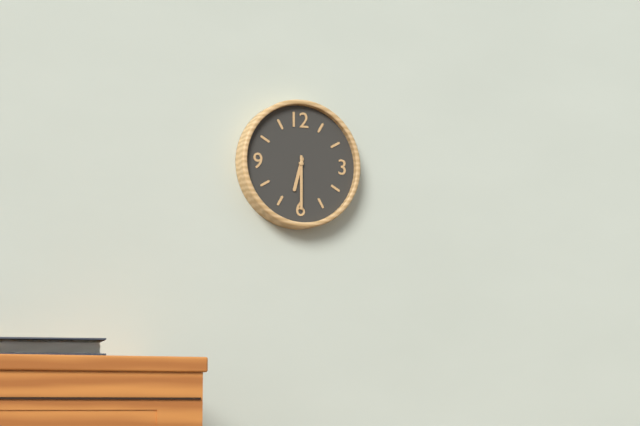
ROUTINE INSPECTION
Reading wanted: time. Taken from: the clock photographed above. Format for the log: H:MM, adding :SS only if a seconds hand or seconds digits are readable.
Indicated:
6:30
